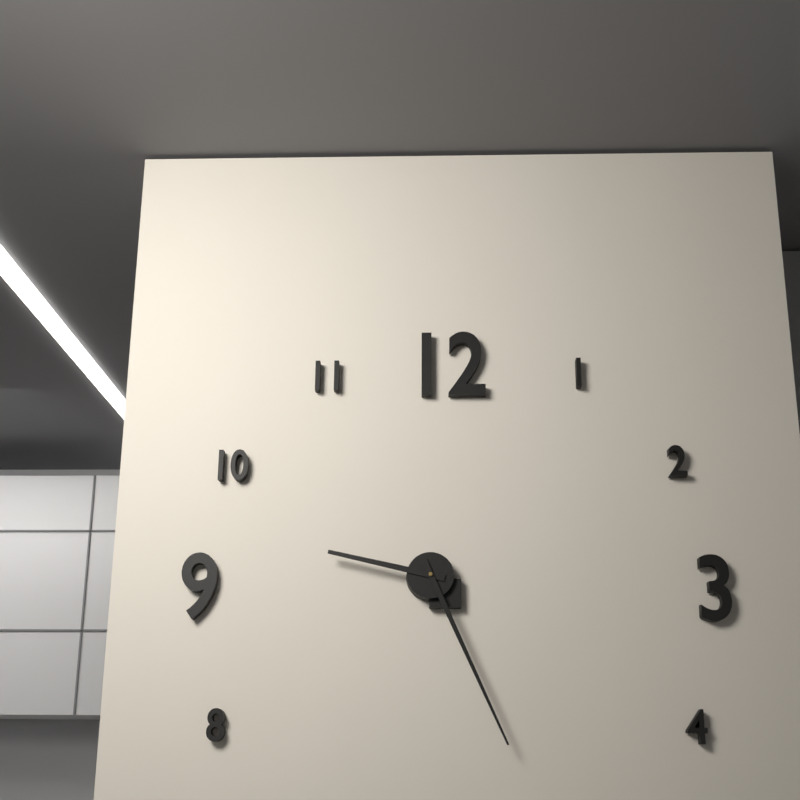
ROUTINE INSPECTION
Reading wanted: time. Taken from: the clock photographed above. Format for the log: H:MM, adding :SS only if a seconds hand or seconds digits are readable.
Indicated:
9:26
